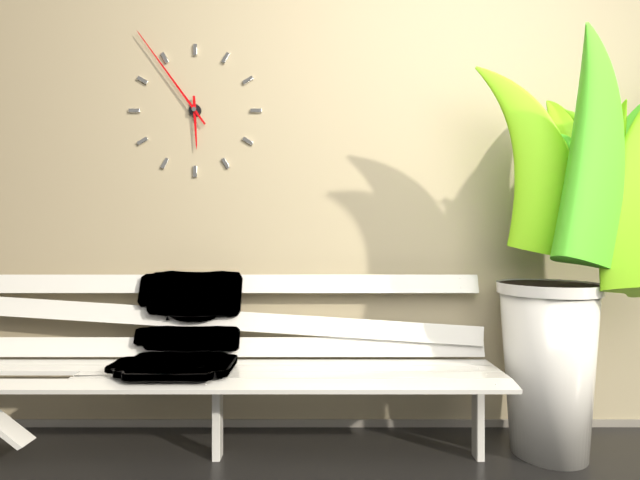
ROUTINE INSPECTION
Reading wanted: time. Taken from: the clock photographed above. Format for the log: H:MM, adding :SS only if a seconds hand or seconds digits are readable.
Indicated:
5:54
